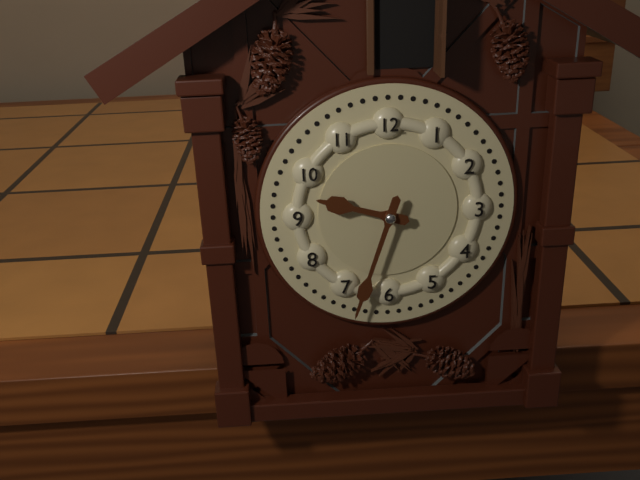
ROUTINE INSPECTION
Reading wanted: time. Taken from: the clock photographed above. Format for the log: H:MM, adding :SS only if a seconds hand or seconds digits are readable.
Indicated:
9:33
